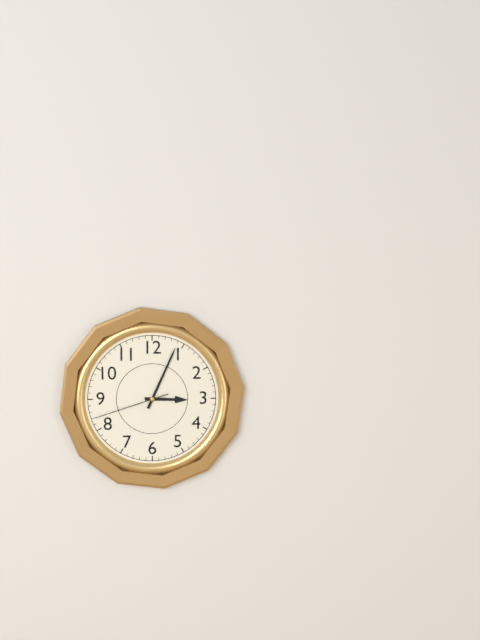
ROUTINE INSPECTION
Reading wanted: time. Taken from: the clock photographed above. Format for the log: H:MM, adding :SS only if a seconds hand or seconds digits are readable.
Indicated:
3:04:42
